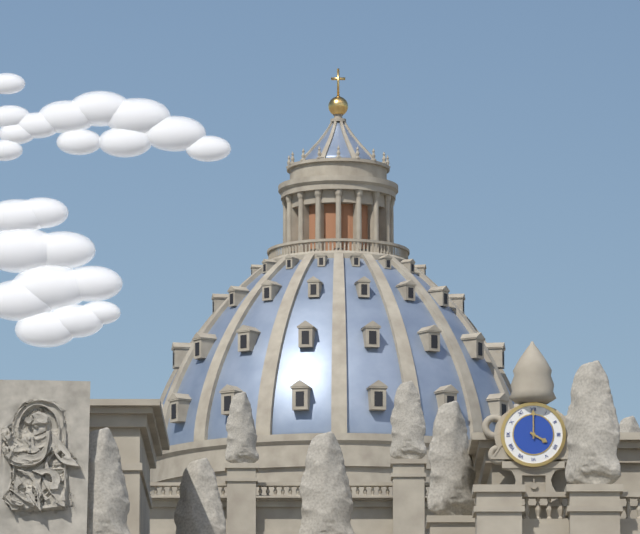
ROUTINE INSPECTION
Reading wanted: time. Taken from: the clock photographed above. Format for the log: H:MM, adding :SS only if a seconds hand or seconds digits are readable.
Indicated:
4:00
